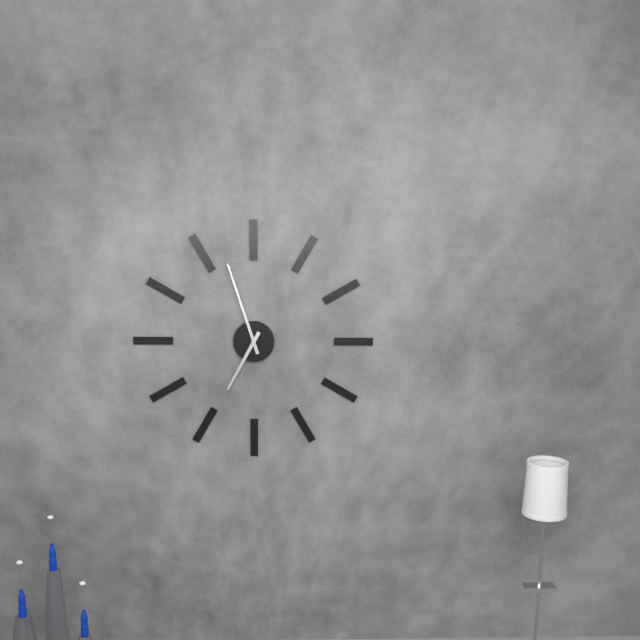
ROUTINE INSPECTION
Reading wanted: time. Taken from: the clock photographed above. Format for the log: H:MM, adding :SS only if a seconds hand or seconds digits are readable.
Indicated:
6:57
